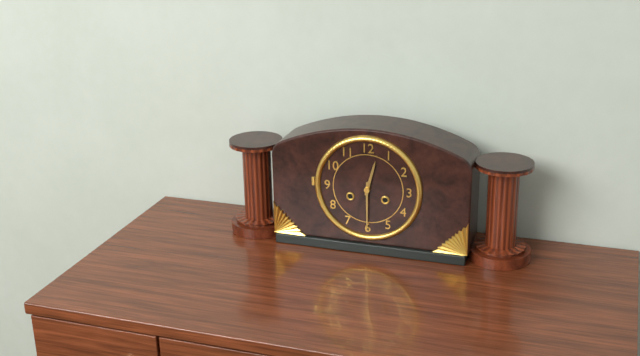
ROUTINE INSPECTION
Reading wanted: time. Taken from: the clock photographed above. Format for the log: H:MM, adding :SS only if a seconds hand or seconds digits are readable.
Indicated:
12:30
